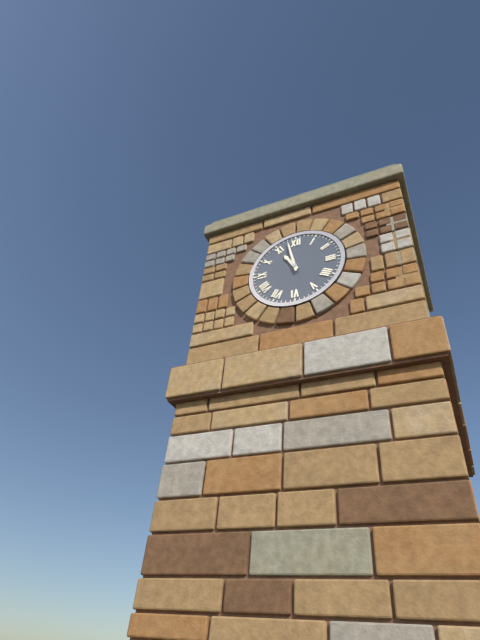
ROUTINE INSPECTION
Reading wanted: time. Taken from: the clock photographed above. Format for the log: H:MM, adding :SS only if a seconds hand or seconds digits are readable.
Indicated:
10:58
